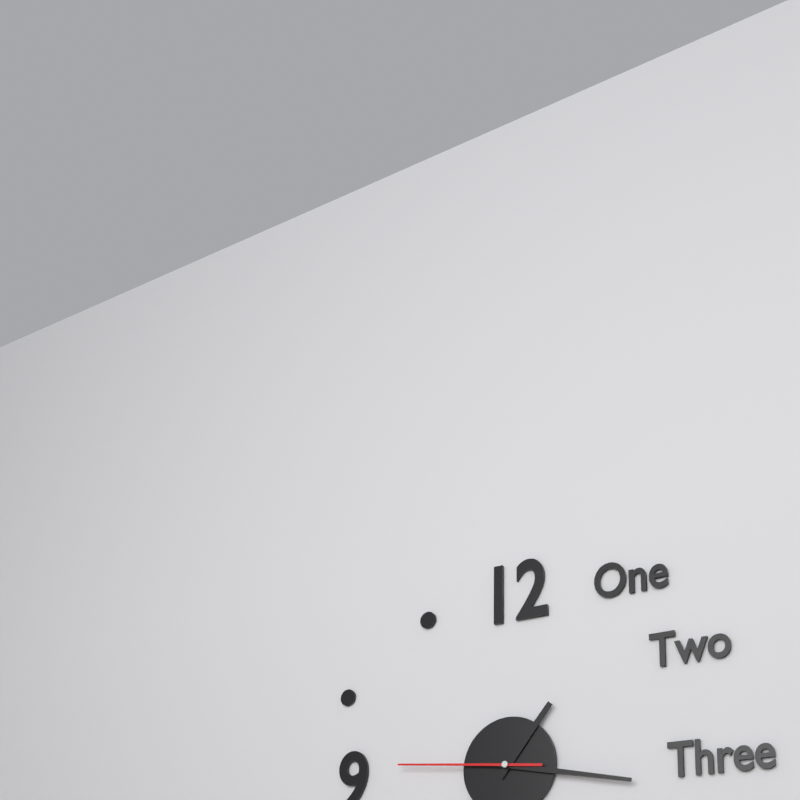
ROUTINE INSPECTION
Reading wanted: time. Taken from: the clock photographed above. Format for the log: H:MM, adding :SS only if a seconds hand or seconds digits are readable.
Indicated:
1:17:46
